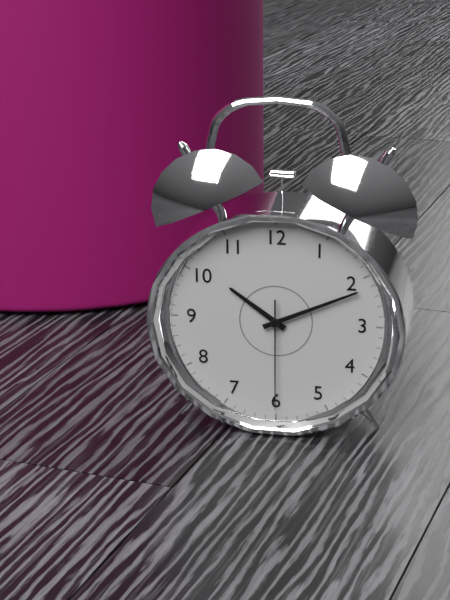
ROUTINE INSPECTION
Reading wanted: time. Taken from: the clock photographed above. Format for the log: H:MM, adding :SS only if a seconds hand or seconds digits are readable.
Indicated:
10:11:30
